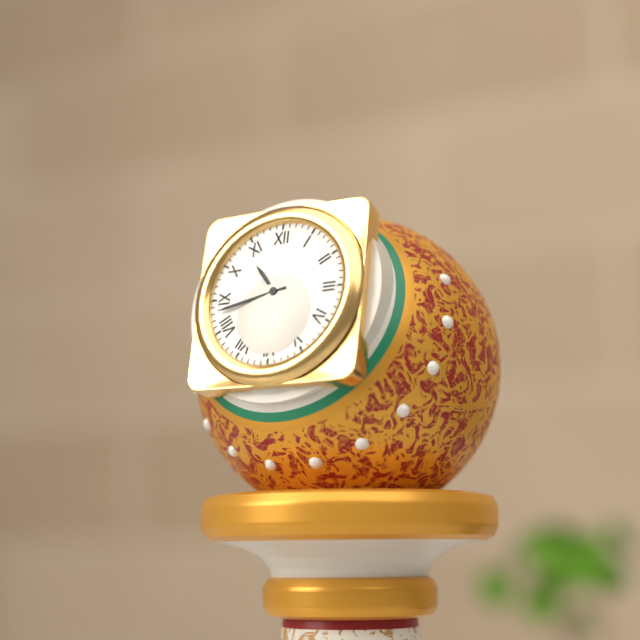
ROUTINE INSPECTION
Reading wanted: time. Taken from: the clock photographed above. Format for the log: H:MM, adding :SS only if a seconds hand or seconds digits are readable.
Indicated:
10:43
